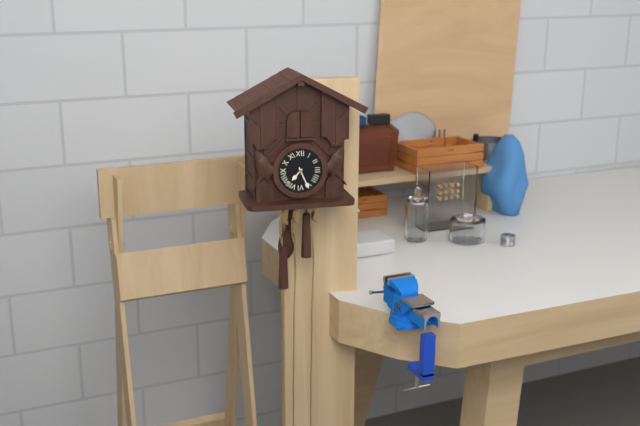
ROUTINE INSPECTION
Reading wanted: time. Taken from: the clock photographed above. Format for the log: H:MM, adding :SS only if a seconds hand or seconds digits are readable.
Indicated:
7:26
